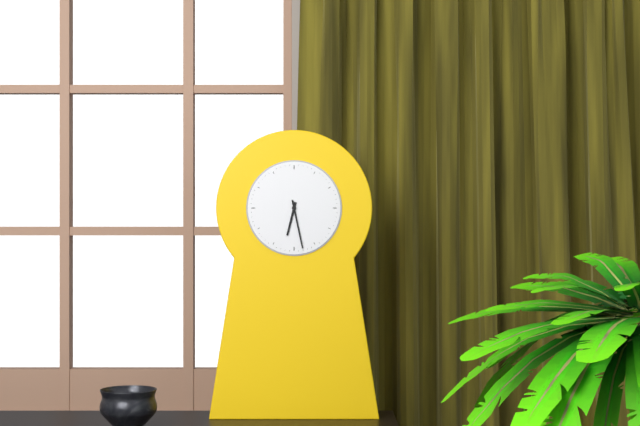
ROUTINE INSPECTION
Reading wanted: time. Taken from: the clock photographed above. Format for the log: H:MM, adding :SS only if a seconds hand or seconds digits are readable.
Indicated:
6:28
